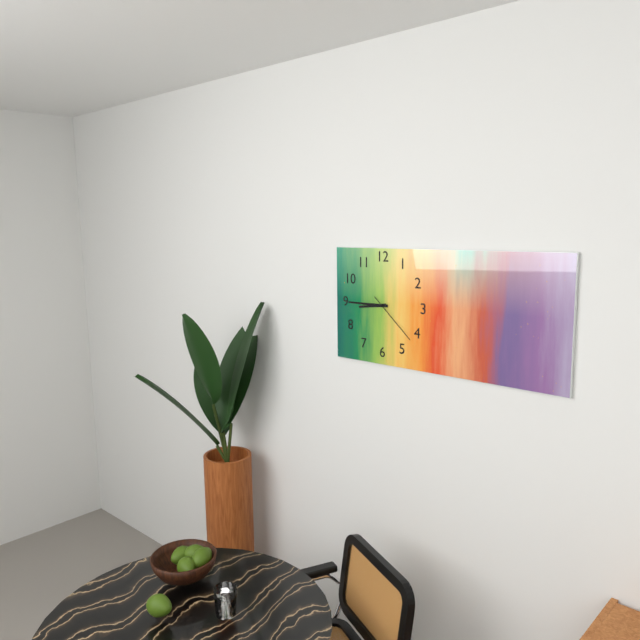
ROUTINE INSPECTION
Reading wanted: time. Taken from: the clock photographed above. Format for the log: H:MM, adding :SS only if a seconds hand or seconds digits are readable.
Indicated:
8:45:22
